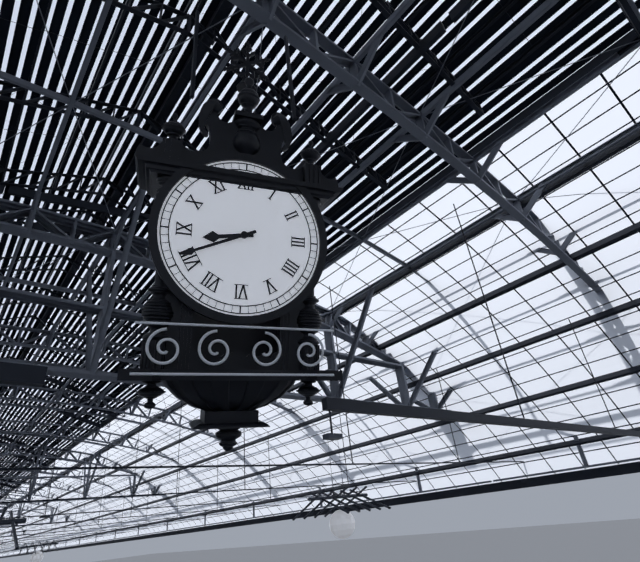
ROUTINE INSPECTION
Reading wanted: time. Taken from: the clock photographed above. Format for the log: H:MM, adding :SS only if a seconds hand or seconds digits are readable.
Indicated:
8:41
